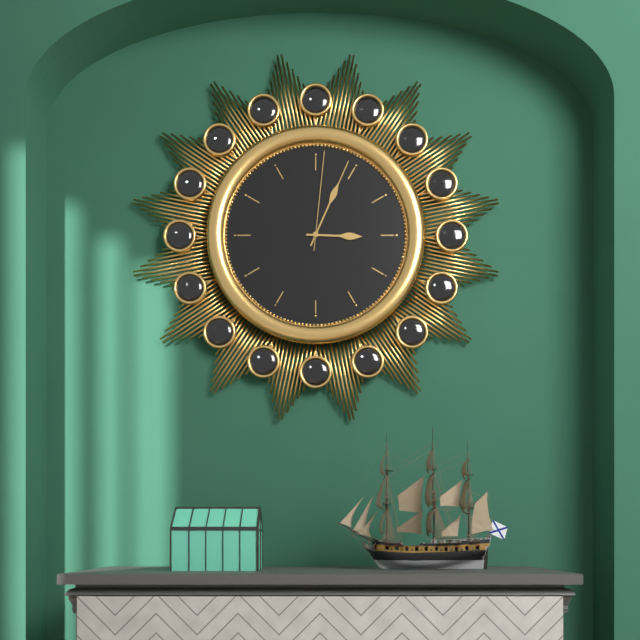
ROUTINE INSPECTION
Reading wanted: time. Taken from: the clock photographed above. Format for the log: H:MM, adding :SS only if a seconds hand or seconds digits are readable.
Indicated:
3:04:01
